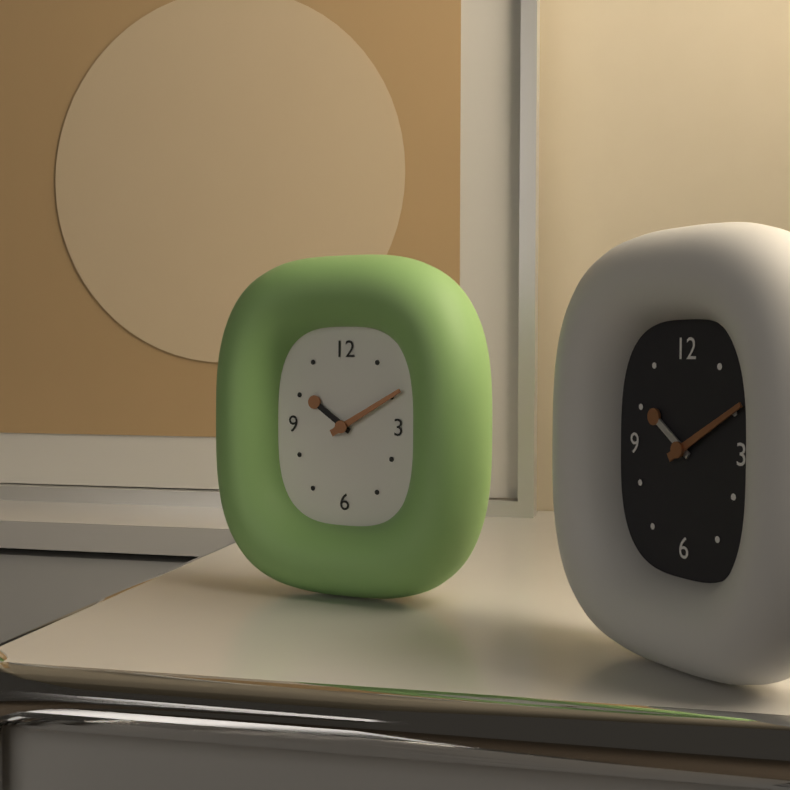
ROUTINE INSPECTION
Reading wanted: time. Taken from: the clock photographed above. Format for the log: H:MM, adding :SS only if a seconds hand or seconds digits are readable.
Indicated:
10:10
